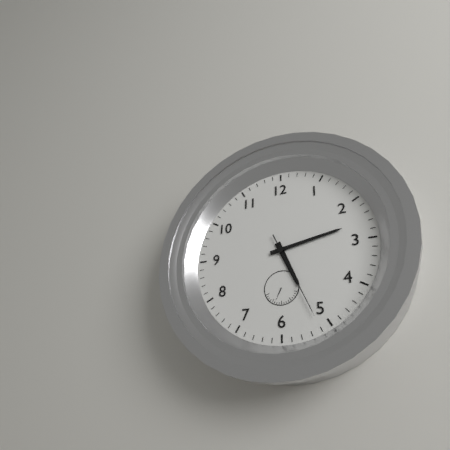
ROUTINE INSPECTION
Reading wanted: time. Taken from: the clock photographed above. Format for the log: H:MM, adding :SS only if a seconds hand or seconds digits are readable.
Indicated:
5:13:26
